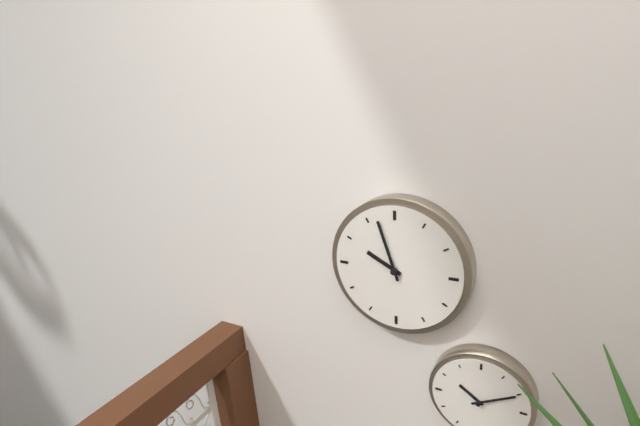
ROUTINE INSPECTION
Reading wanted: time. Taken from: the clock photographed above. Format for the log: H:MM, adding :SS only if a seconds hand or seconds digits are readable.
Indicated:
9:57
